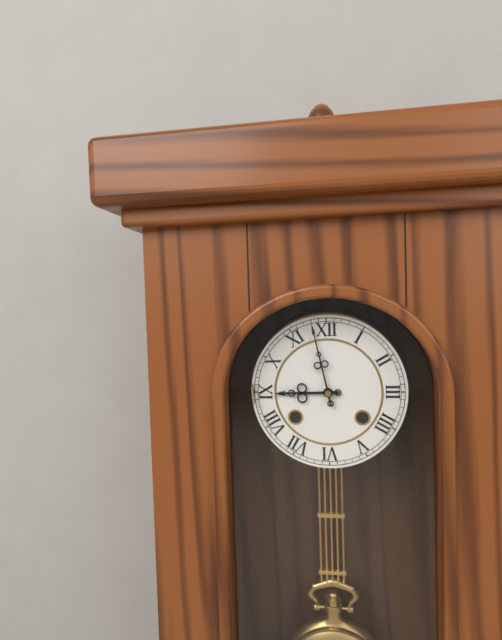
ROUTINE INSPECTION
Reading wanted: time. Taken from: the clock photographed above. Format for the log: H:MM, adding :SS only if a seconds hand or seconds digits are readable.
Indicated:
8:58
